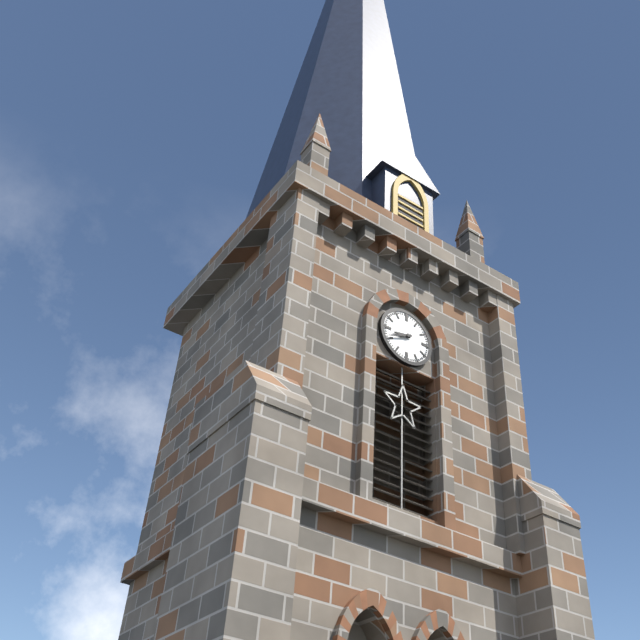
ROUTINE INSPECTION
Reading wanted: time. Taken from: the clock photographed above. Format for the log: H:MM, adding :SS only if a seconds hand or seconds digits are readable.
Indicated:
8:41
